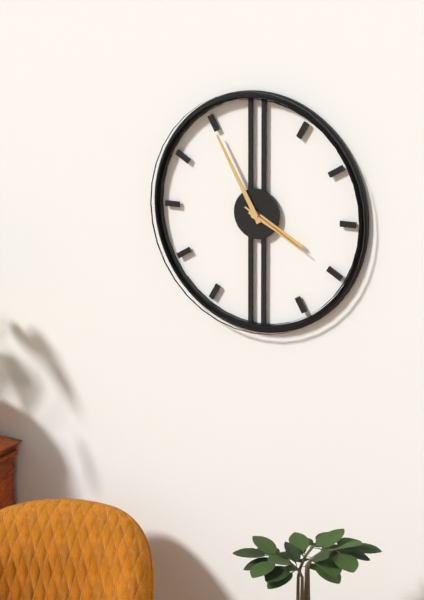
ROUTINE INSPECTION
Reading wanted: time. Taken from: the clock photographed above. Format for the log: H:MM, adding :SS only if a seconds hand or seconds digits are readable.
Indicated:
3:55:20
